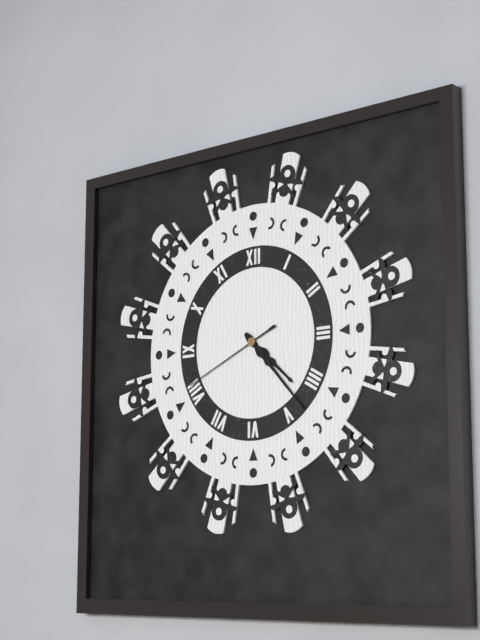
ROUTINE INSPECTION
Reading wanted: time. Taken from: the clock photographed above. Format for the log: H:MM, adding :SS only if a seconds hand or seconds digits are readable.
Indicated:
4:23:41
